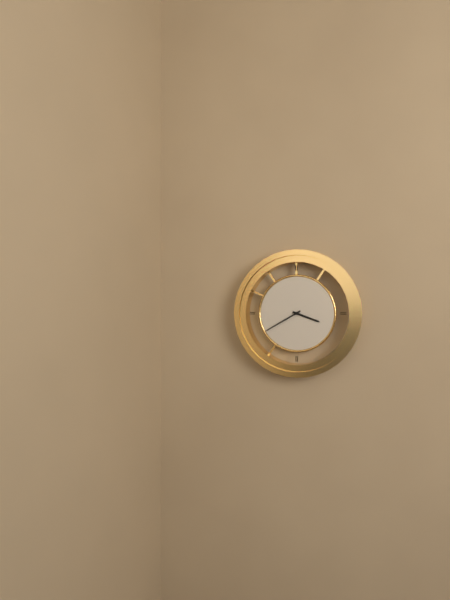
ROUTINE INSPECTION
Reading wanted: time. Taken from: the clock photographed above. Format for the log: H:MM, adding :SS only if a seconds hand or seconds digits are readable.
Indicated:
3:40
